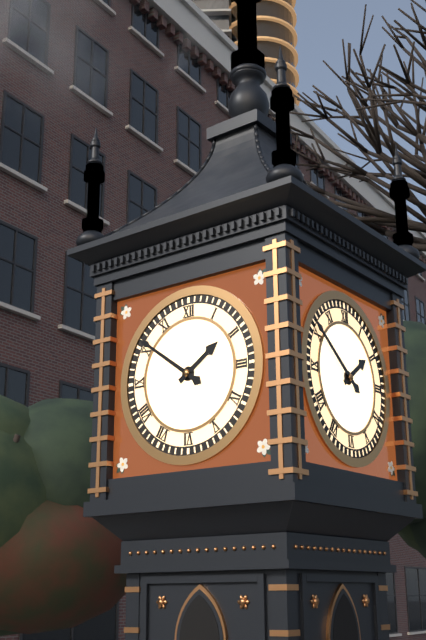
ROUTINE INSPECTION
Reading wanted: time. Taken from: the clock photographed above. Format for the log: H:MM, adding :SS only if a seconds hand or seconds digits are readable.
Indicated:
1:51
